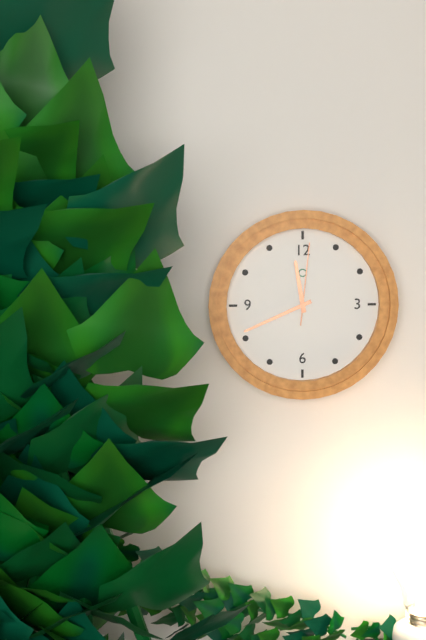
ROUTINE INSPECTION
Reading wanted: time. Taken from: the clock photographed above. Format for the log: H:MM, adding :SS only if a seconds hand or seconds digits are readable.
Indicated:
11:41:01
